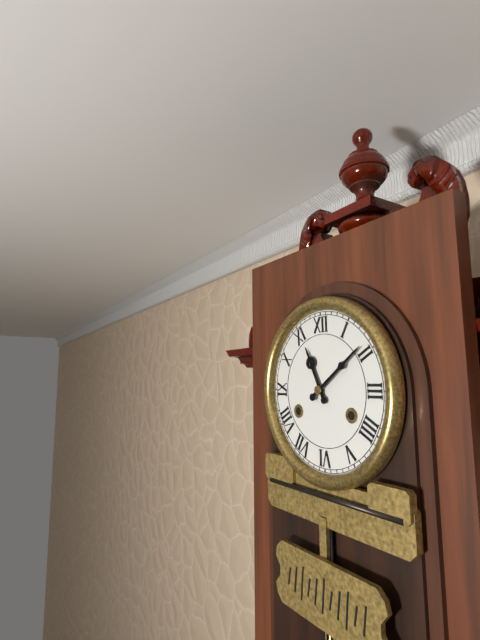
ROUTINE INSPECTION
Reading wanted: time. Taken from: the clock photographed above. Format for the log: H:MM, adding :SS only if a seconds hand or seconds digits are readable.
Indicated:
11:09
